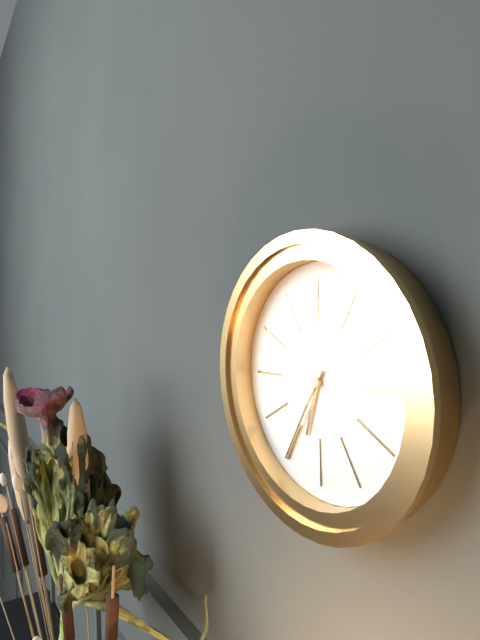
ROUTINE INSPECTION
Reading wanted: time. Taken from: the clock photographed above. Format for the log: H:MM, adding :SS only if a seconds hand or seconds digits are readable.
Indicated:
6:35
